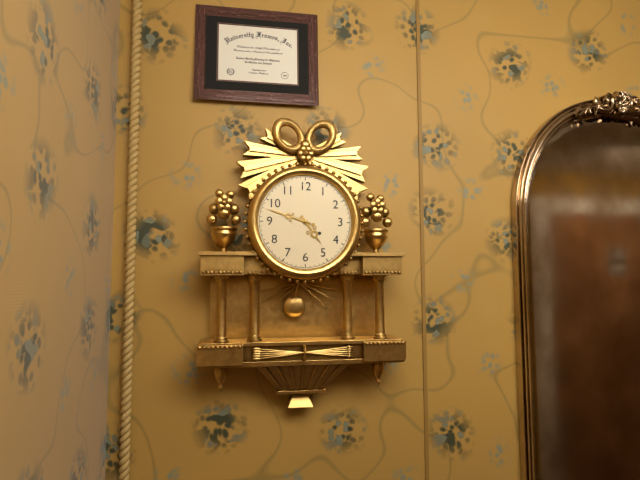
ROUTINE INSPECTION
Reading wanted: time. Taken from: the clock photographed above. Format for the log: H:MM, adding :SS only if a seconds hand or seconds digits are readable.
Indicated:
4:48
